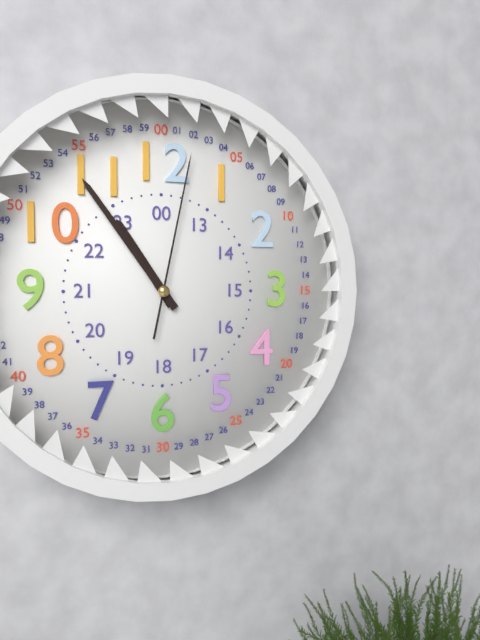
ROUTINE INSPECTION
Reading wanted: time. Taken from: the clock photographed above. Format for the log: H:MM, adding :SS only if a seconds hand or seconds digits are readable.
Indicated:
10:54:02
